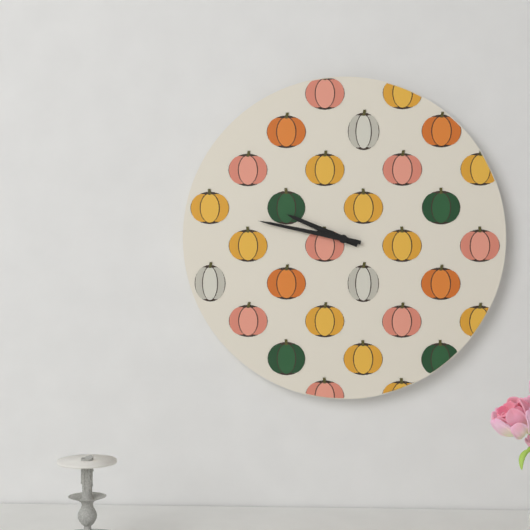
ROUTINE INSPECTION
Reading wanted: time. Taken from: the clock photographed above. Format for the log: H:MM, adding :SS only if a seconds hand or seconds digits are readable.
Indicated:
9:47
